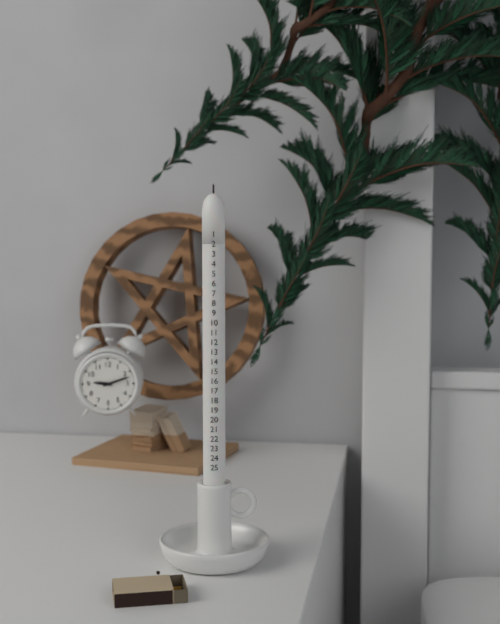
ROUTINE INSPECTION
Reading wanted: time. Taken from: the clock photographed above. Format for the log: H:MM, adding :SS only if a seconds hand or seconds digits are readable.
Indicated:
9:12
